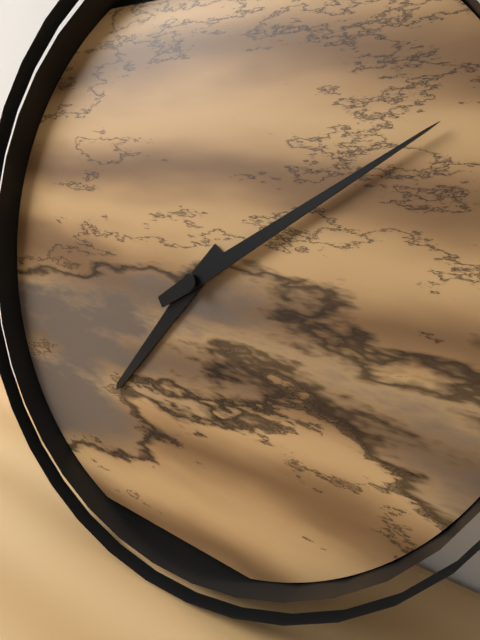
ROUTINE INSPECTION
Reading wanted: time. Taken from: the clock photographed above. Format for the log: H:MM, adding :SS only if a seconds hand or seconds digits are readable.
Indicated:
7:09
